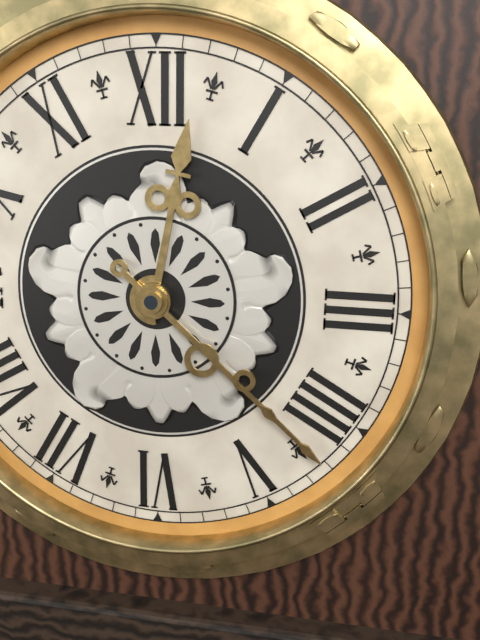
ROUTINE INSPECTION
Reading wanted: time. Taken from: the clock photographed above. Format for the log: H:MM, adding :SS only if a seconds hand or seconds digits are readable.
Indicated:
12:22
